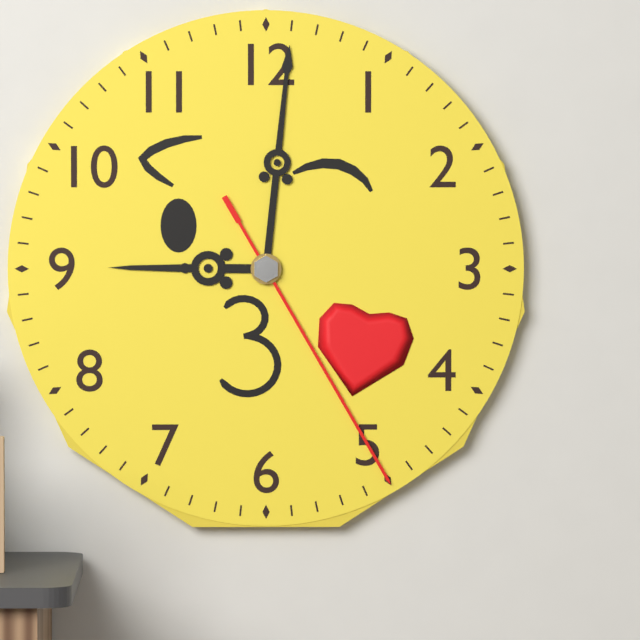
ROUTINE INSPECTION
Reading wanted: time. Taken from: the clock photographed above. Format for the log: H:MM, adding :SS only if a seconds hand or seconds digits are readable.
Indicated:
9:01:25
